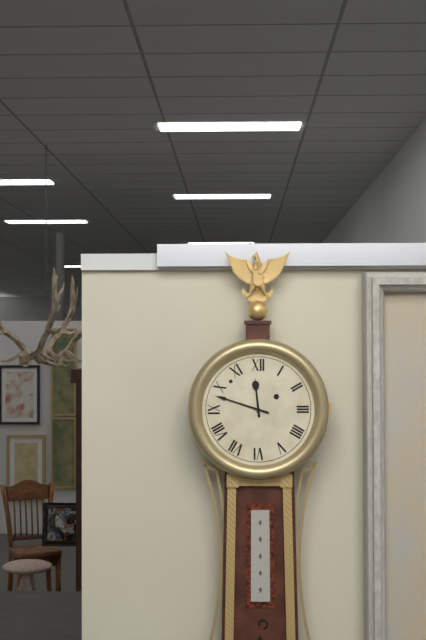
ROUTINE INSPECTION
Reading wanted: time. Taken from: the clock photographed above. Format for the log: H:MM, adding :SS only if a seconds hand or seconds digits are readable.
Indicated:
11:48
